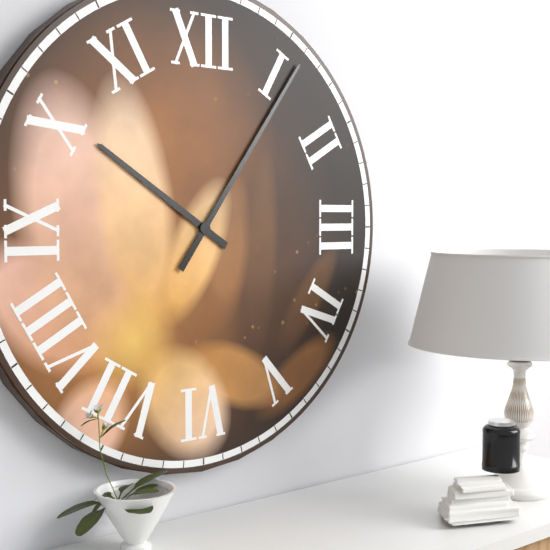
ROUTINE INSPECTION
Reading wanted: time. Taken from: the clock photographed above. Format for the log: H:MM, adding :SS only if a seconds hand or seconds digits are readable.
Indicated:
10:06
